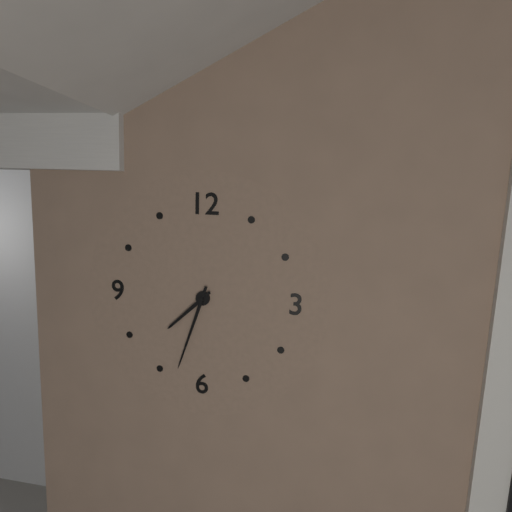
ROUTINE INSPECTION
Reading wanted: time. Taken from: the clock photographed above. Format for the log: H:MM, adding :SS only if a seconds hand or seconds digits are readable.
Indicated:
7:33
